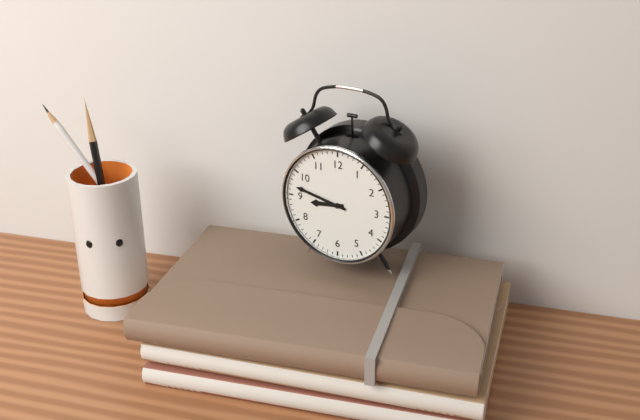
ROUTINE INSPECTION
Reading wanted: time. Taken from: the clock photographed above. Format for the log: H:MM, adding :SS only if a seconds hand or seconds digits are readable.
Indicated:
8:47
